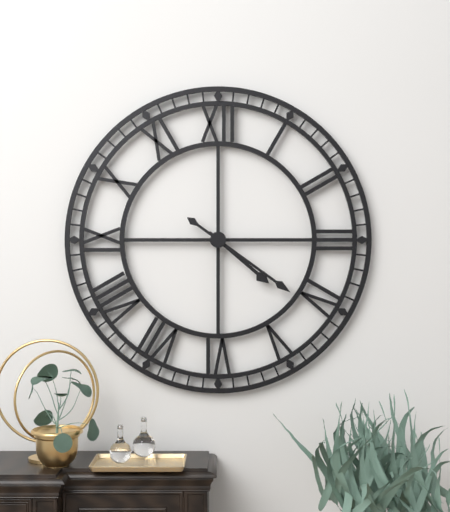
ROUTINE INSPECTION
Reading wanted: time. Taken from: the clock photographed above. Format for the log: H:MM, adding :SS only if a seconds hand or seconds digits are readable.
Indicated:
4:21
